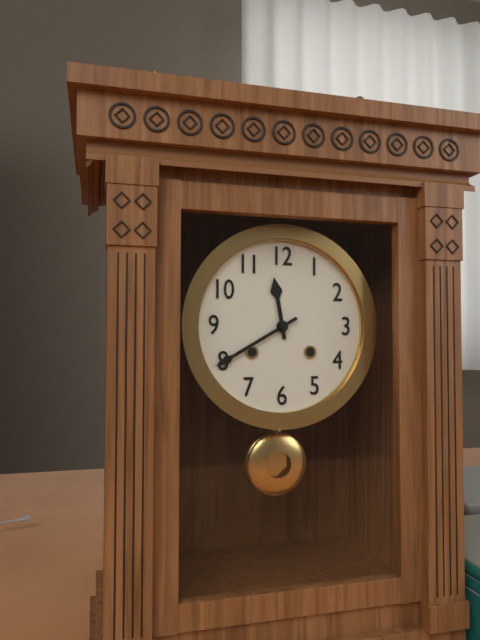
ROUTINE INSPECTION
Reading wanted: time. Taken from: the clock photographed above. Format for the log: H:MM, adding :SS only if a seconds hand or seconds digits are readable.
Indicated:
11:40
